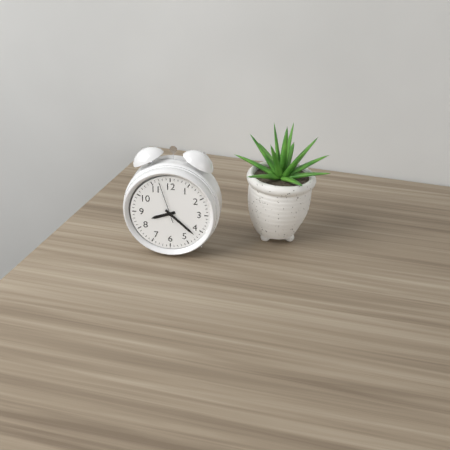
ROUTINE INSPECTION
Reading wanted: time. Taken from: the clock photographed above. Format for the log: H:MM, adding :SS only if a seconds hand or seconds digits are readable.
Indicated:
8:22
